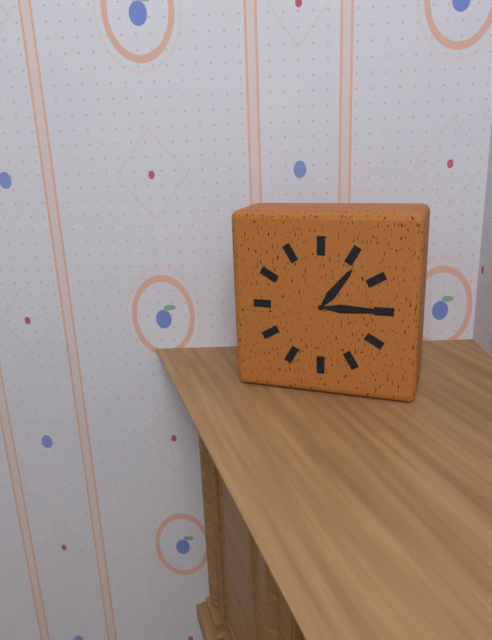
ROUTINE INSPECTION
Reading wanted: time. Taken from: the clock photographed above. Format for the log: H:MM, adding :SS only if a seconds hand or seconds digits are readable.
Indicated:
1:15
